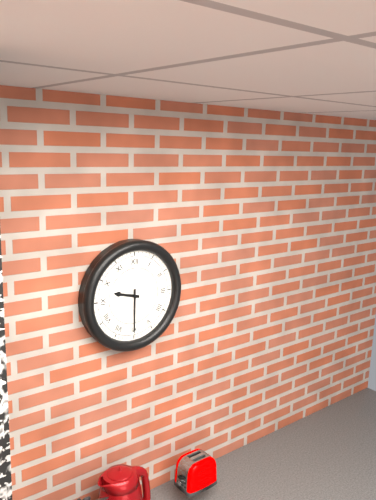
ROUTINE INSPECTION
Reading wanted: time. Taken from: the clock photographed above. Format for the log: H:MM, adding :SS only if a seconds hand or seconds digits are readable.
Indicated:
9:30
